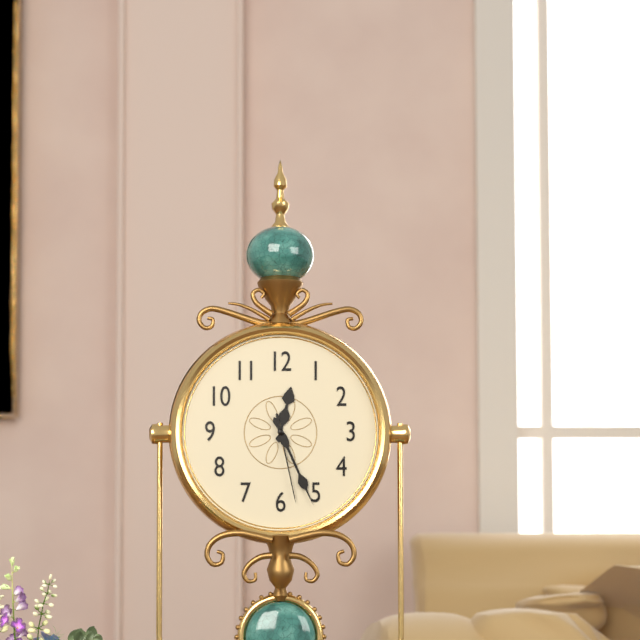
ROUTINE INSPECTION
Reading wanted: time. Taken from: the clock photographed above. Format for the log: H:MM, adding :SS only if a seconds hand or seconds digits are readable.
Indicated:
12:26:28
